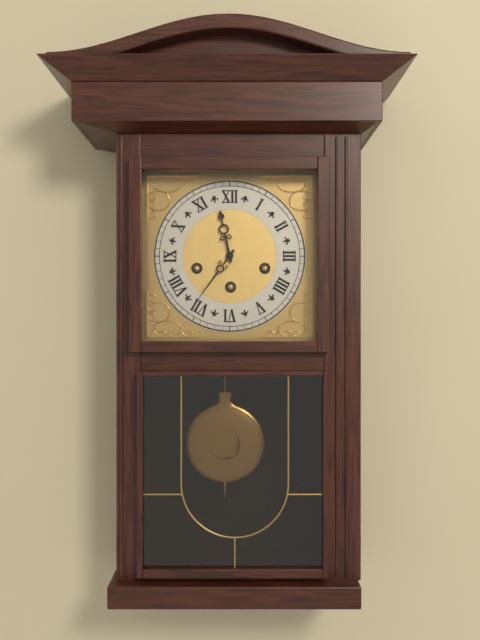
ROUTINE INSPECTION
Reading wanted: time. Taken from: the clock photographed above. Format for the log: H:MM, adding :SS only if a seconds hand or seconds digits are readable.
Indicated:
11:36
